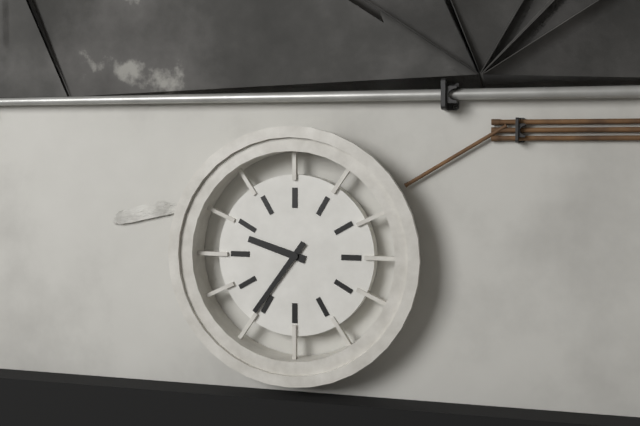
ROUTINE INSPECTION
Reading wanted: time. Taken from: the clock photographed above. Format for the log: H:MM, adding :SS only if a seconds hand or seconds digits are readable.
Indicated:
9:36
